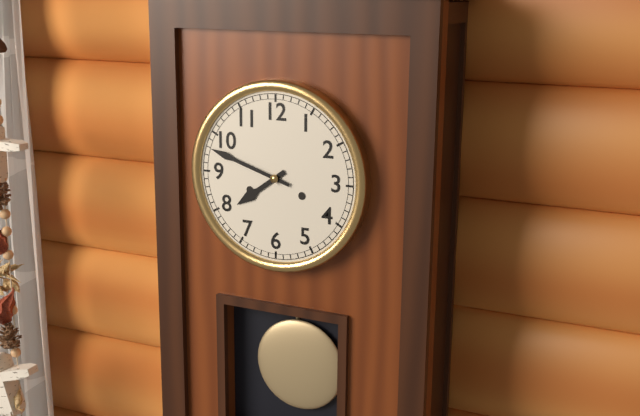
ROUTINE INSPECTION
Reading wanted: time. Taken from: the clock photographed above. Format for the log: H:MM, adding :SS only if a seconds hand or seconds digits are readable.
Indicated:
7:48
